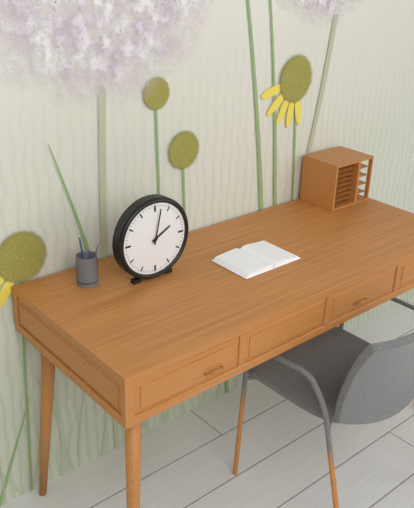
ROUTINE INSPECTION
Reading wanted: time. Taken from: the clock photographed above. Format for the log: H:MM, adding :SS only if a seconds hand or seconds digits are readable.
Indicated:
2:02
